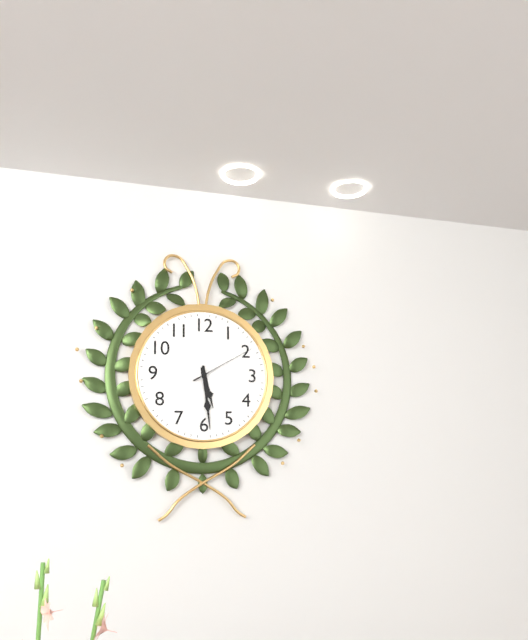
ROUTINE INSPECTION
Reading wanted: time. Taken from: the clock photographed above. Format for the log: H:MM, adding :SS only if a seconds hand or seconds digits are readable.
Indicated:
5:29:10
